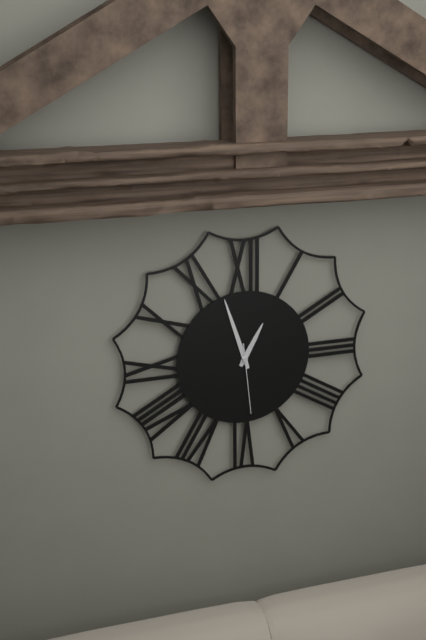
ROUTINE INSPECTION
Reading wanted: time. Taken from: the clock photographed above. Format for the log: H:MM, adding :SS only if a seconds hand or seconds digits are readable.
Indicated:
12:57:29
